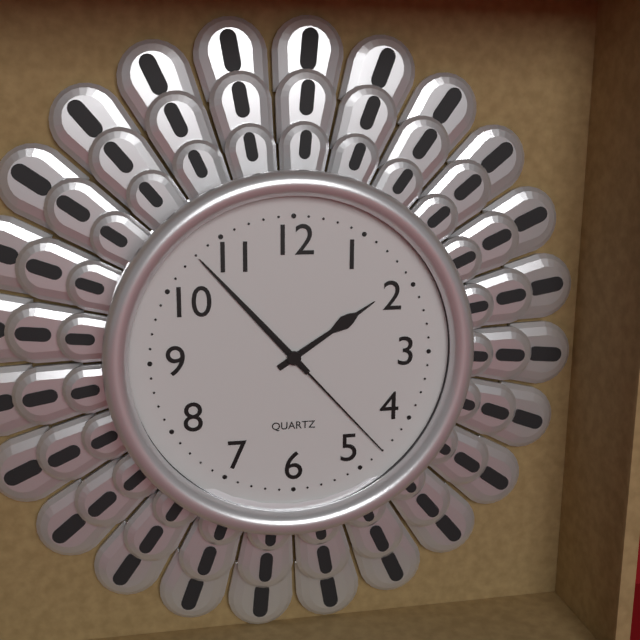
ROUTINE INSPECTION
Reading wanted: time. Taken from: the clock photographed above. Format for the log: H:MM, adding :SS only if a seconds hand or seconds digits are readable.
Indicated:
1:53:23
